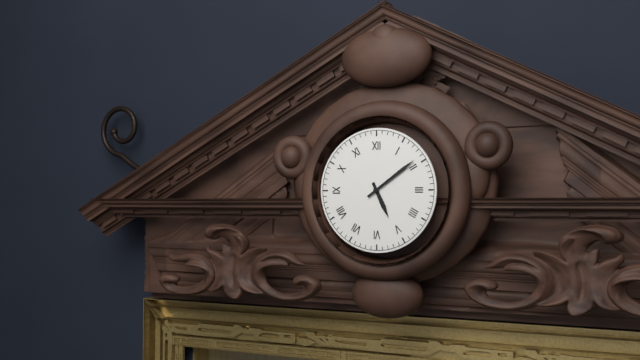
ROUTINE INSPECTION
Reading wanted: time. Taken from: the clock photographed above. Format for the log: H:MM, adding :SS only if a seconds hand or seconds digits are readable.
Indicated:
5:09
